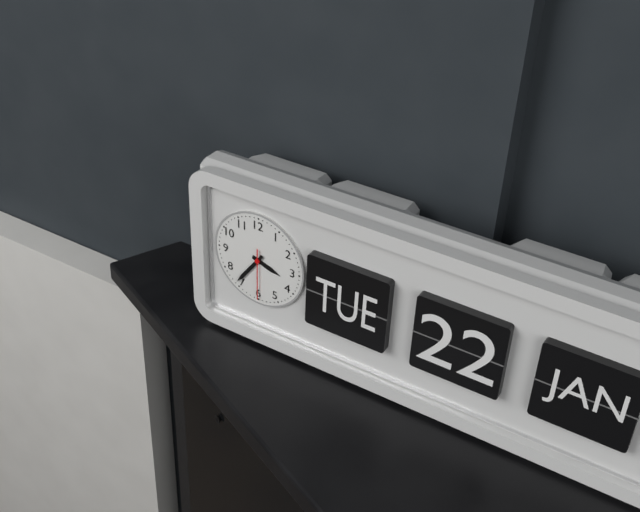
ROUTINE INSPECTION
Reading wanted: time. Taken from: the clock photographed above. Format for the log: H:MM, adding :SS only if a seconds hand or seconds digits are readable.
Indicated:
3:36
